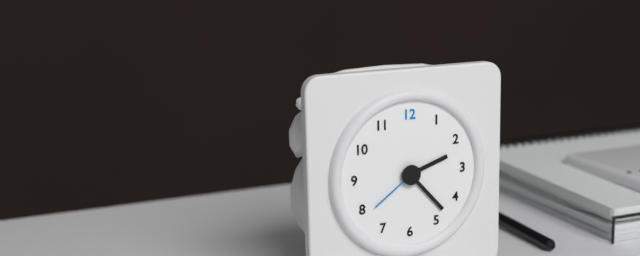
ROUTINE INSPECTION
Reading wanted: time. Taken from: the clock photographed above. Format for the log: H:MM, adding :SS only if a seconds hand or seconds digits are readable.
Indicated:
2:23:39
